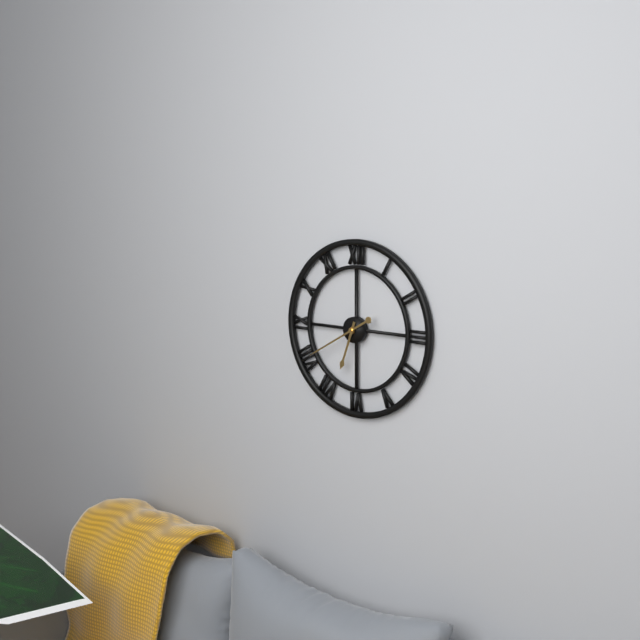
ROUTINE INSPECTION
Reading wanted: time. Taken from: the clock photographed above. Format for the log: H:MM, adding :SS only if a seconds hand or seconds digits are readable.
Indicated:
6:40
